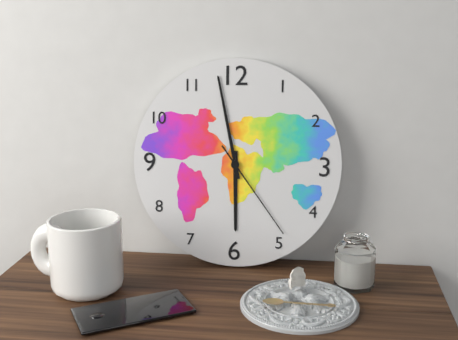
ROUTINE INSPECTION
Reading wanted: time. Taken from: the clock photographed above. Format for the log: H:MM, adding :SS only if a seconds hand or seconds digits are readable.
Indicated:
5:58:24
